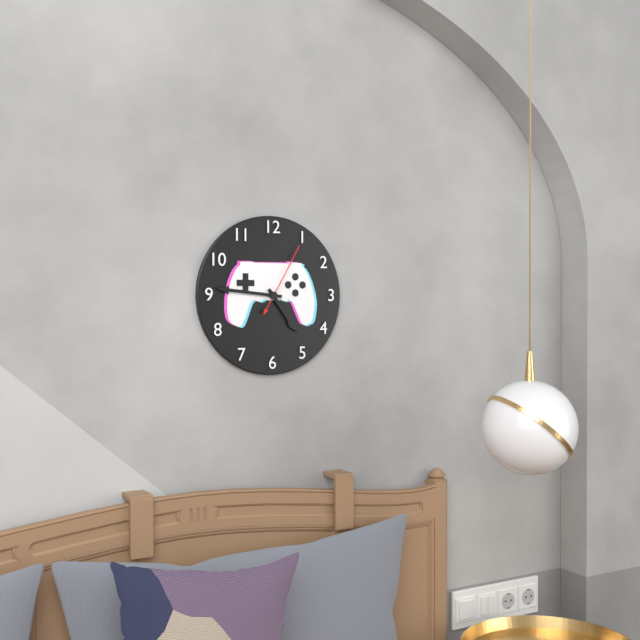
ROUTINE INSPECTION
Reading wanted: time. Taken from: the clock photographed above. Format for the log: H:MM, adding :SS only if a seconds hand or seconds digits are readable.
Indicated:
4:46:05
